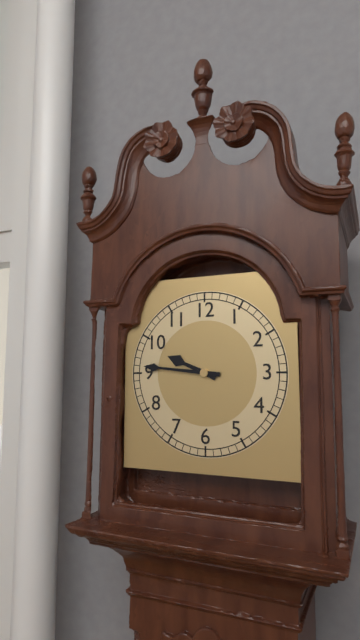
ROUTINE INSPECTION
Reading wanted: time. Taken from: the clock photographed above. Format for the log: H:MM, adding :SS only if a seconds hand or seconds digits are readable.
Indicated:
9:46
